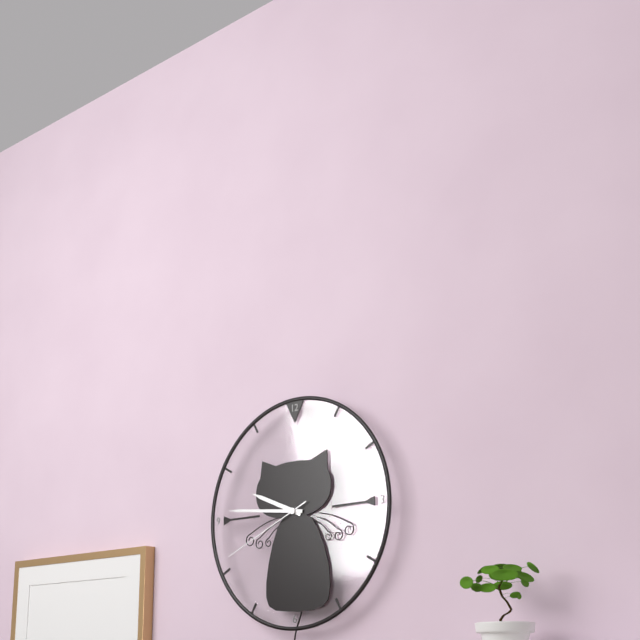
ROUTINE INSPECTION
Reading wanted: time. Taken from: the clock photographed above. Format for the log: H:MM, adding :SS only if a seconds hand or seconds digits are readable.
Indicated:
9:46:41
